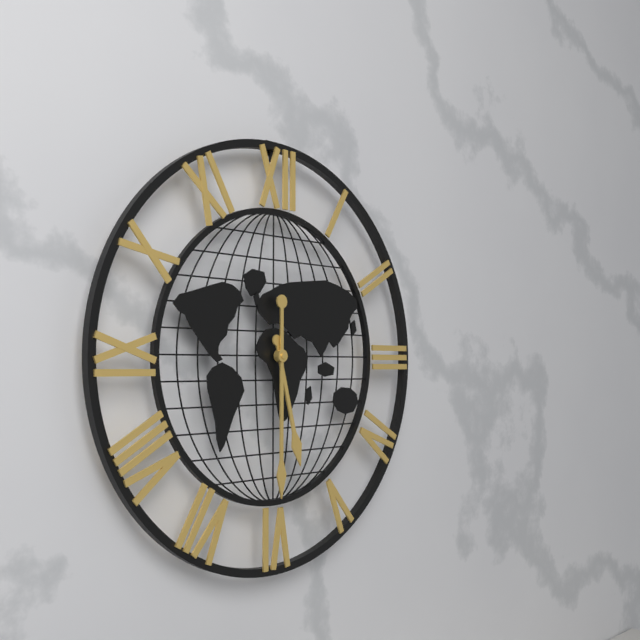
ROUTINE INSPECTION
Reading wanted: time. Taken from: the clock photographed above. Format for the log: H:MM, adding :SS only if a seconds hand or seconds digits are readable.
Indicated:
5:30
